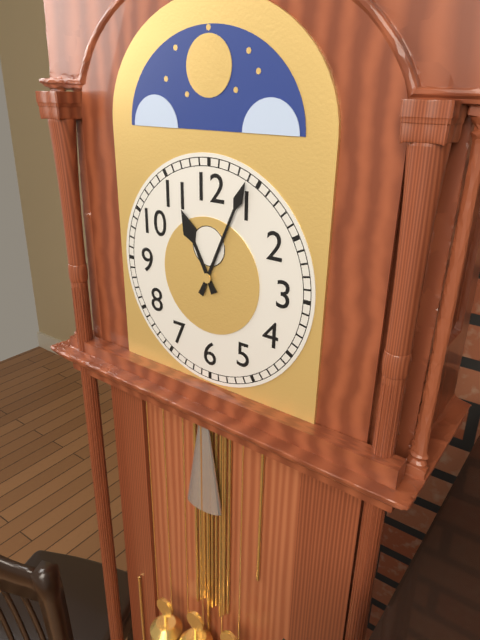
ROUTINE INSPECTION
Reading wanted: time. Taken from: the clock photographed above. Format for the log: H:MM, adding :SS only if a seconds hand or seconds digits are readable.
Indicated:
11:04
